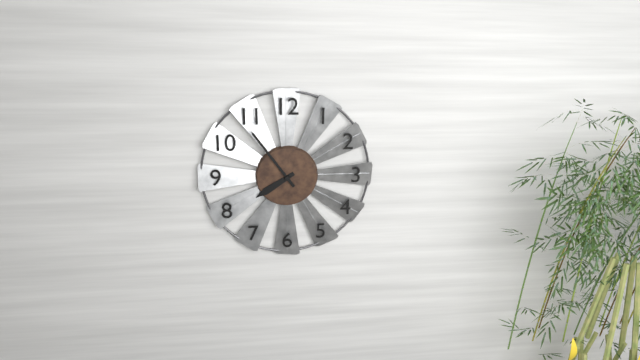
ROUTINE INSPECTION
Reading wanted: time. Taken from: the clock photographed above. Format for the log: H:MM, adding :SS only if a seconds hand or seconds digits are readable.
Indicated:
7:54
